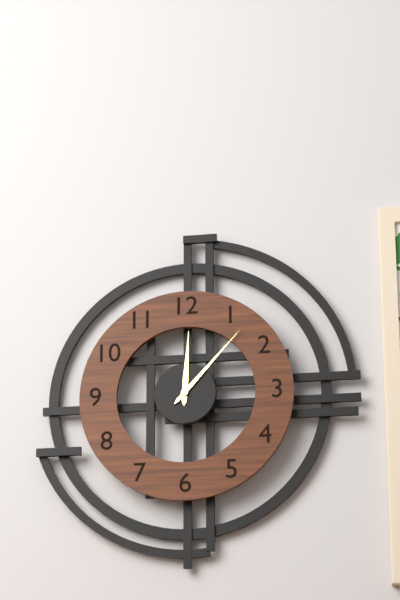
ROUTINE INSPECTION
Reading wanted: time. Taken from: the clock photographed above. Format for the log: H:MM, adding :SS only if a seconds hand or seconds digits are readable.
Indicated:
12:07
